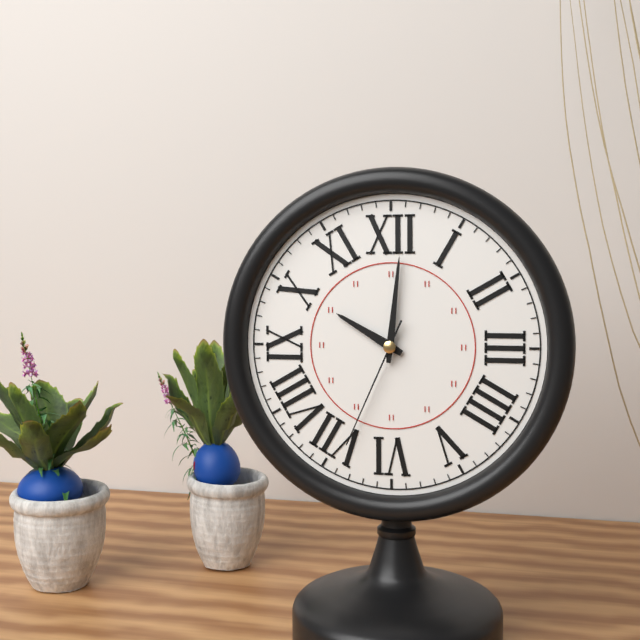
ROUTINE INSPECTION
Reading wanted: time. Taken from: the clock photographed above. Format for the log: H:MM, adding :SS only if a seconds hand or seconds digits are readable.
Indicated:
10:01:34
